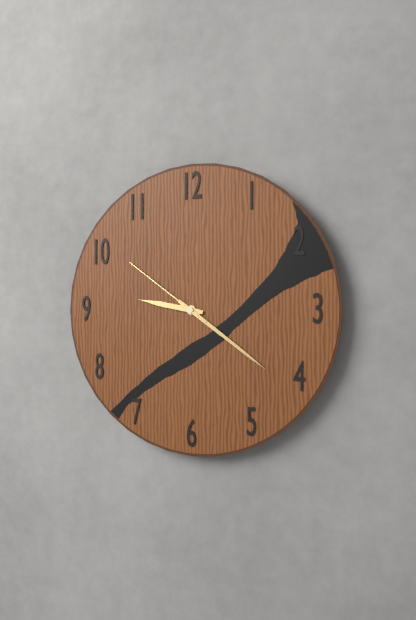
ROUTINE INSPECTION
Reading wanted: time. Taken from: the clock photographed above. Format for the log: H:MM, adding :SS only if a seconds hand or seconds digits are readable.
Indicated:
9:21:51
